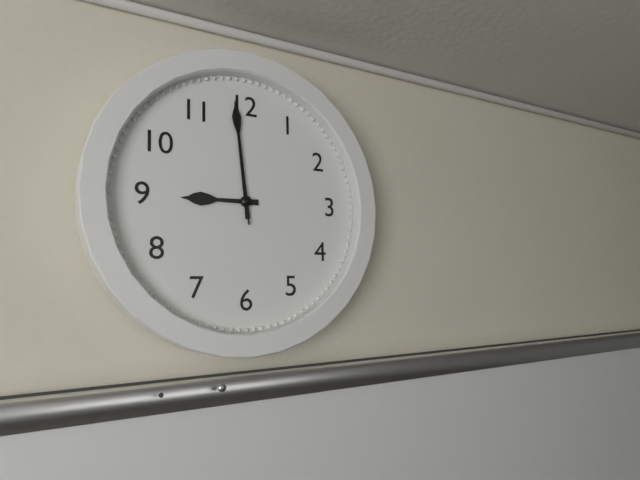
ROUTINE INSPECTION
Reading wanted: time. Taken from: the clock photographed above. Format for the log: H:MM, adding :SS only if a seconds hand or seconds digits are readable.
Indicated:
8:59:59
